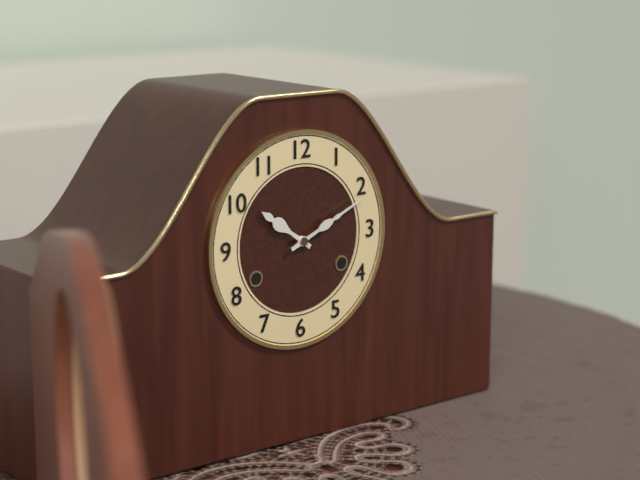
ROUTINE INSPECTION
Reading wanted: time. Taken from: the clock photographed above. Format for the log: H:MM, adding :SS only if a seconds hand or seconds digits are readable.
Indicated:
10:11
